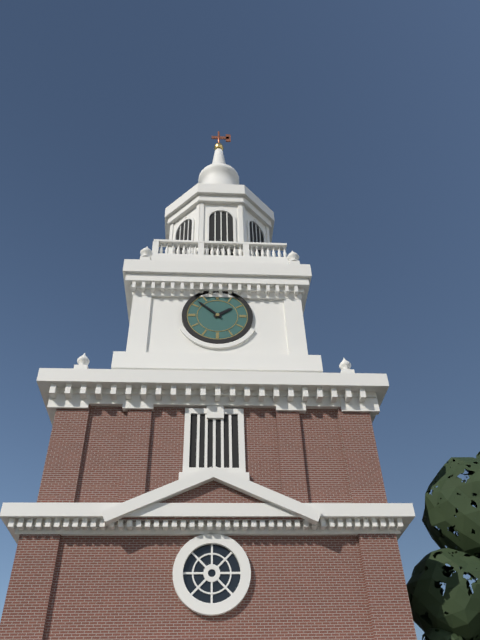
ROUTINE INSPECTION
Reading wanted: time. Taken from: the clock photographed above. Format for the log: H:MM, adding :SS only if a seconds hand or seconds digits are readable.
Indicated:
1:52
